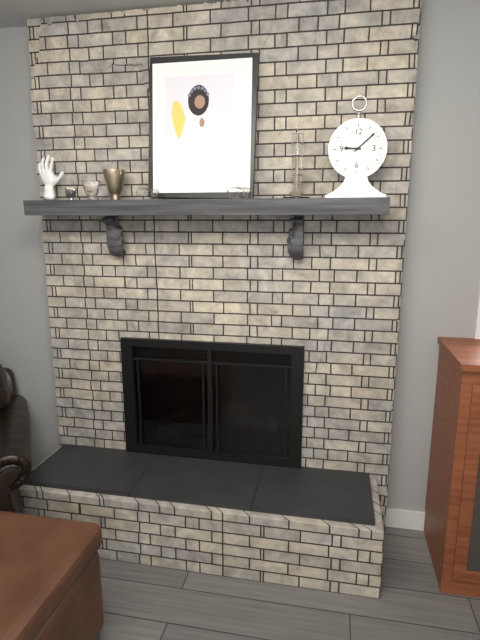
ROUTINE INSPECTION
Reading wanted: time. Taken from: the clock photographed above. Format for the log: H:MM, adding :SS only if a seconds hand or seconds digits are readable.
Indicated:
9:08
